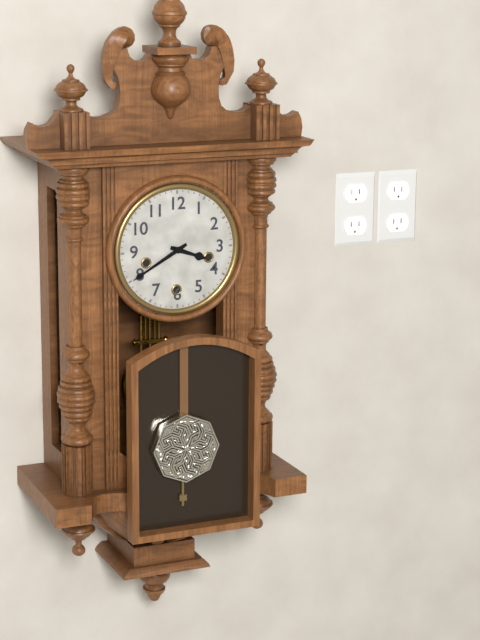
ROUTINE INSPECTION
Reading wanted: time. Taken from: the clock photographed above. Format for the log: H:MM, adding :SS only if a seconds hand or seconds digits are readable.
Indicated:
3:40
